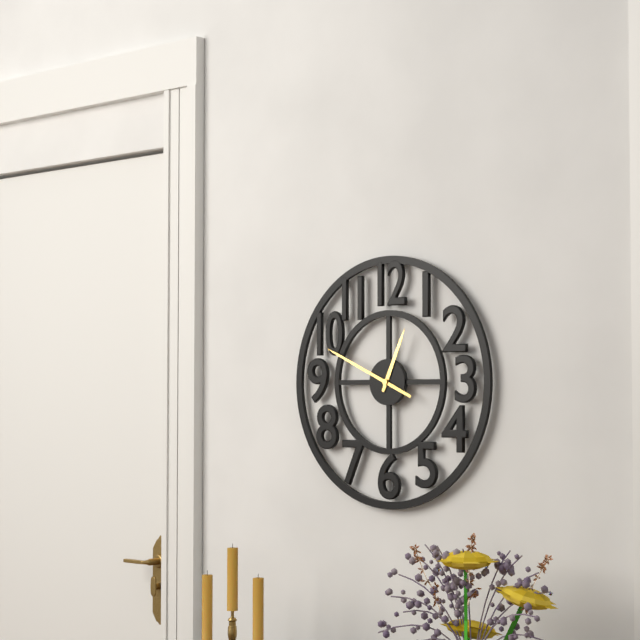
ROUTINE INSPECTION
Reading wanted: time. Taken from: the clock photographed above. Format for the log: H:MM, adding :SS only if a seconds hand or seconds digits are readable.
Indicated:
12:49
